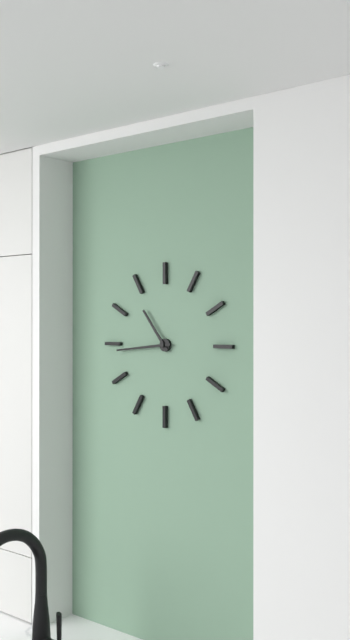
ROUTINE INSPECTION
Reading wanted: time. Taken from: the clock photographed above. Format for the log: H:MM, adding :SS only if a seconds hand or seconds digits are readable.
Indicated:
10:44
